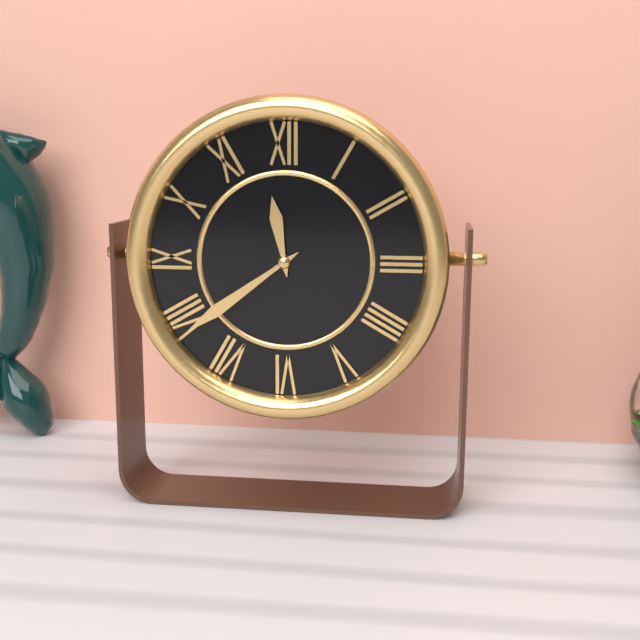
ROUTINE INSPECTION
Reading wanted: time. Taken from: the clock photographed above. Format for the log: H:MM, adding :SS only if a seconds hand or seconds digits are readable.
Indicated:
11:39
